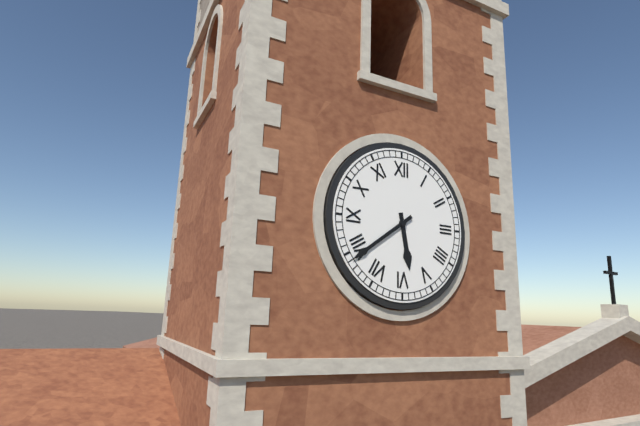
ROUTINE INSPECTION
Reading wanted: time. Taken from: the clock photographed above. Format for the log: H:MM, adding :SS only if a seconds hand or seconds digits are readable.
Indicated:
5:39
